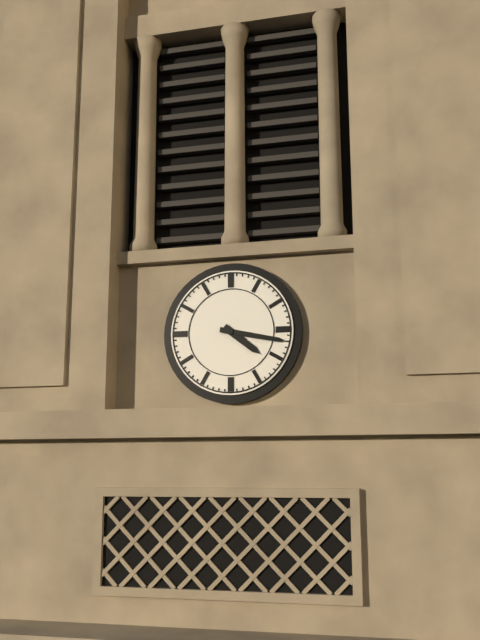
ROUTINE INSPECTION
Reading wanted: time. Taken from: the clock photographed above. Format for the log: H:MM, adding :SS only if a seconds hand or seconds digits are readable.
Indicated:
4:17
